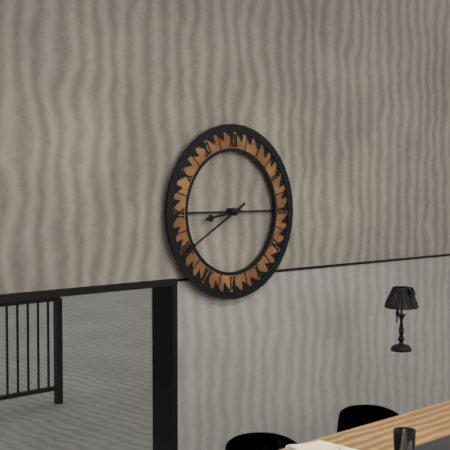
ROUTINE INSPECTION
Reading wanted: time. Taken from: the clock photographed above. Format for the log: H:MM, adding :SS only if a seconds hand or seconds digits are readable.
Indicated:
8:40
